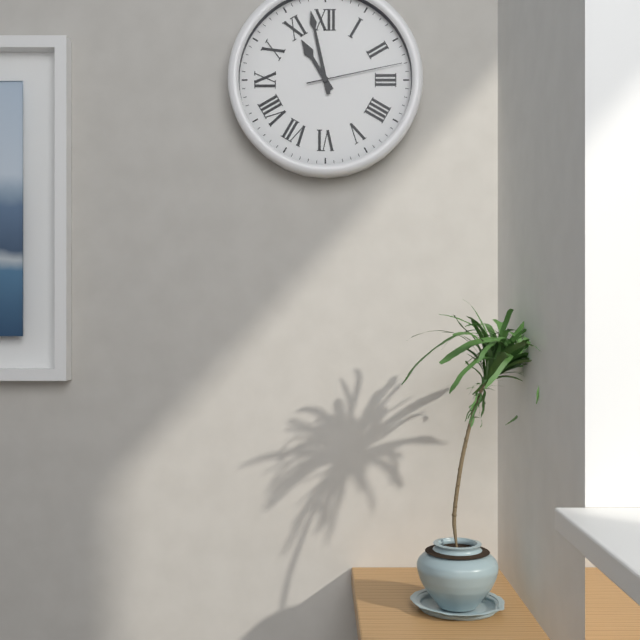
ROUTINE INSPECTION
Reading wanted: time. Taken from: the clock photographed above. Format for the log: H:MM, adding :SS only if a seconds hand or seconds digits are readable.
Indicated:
10:58:13
